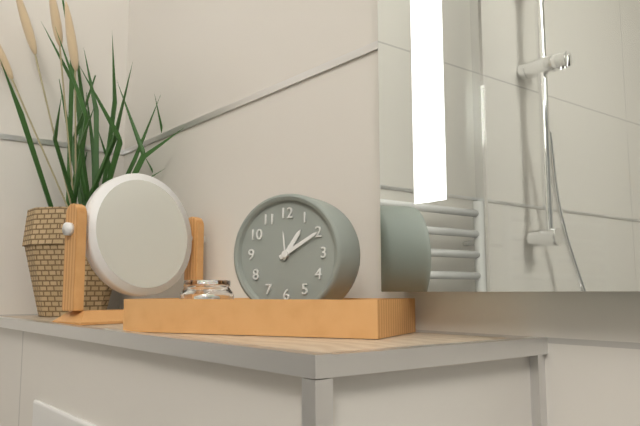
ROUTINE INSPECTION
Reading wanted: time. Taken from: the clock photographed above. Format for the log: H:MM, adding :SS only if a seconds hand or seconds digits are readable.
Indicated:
1:10
